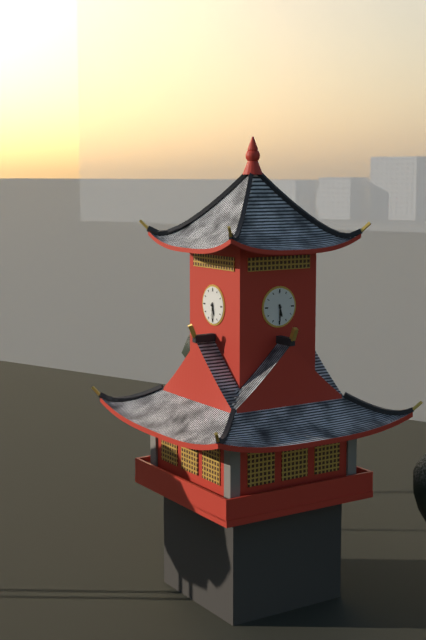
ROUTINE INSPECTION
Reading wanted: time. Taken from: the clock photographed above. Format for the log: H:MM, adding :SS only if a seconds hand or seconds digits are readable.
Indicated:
5:30
